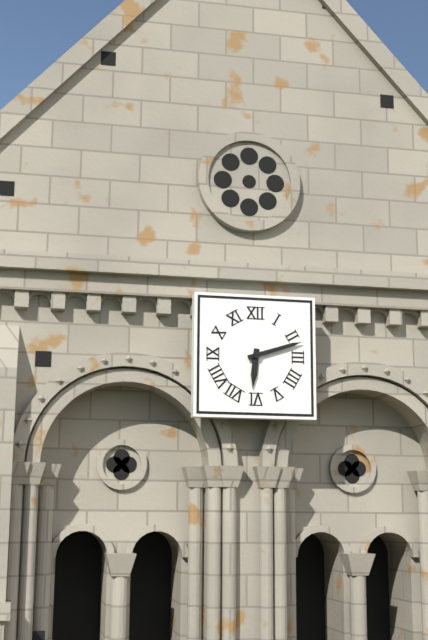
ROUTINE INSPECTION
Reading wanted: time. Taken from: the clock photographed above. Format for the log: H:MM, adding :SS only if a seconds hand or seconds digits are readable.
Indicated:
6:12
